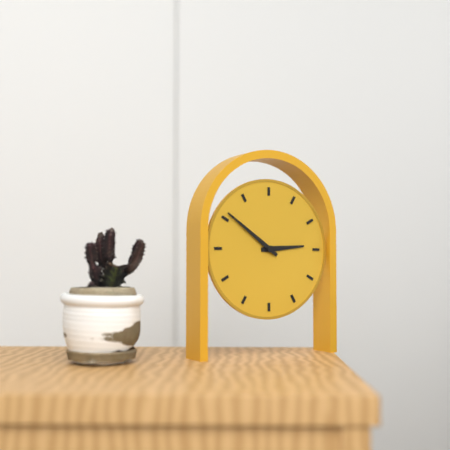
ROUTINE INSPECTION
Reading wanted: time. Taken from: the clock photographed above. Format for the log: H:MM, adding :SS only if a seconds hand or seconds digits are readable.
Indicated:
2:51
